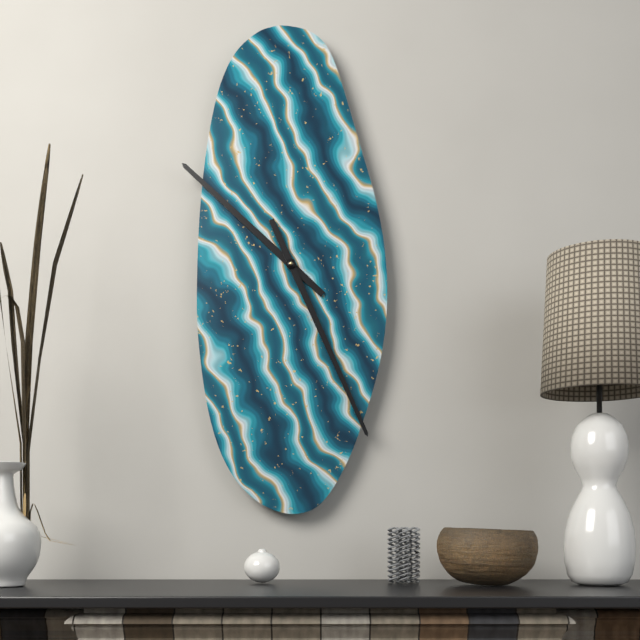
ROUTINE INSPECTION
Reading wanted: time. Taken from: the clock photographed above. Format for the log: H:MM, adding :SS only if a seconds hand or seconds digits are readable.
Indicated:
10:26
